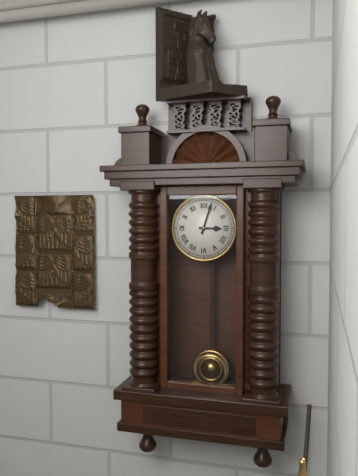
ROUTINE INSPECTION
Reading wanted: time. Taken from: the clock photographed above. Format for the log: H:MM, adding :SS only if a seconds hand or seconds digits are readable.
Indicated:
3:03
